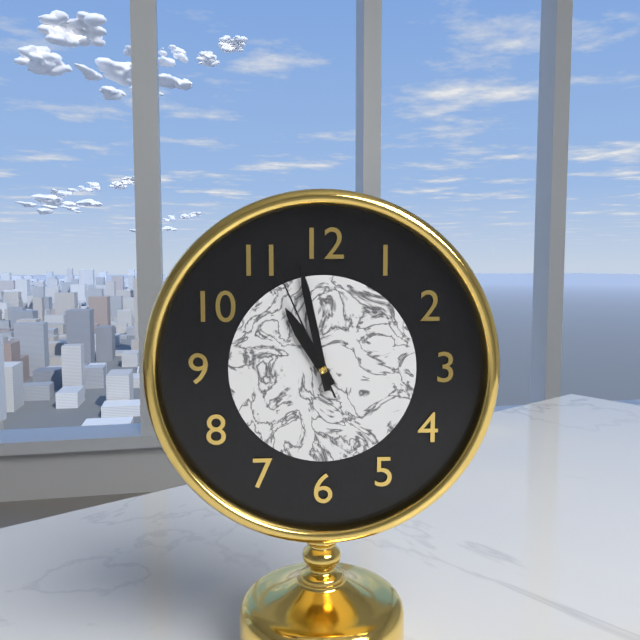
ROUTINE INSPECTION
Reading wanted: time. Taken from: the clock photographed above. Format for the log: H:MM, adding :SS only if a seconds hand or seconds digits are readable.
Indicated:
10:58:56
